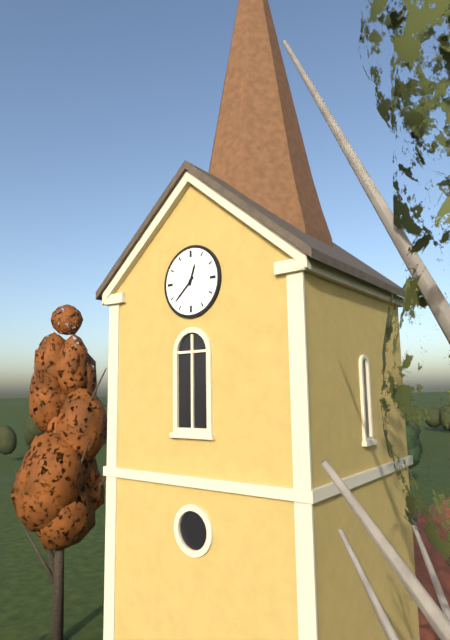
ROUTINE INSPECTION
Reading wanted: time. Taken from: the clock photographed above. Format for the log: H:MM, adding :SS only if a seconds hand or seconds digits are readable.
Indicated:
12:38
